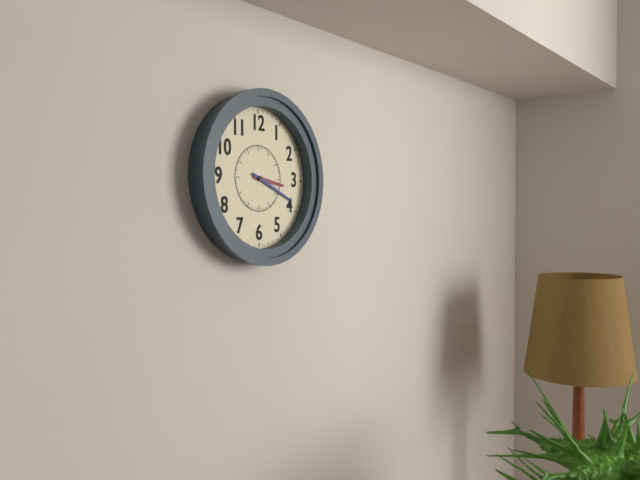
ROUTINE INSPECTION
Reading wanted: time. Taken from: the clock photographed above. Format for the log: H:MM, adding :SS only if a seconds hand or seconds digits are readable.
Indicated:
3:19
